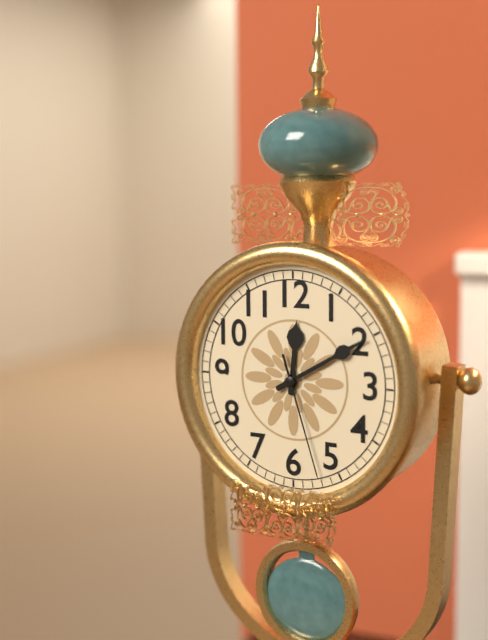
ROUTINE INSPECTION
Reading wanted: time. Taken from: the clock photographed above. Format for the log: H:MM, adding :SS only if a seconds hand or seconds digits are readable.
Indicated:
12:10:27
